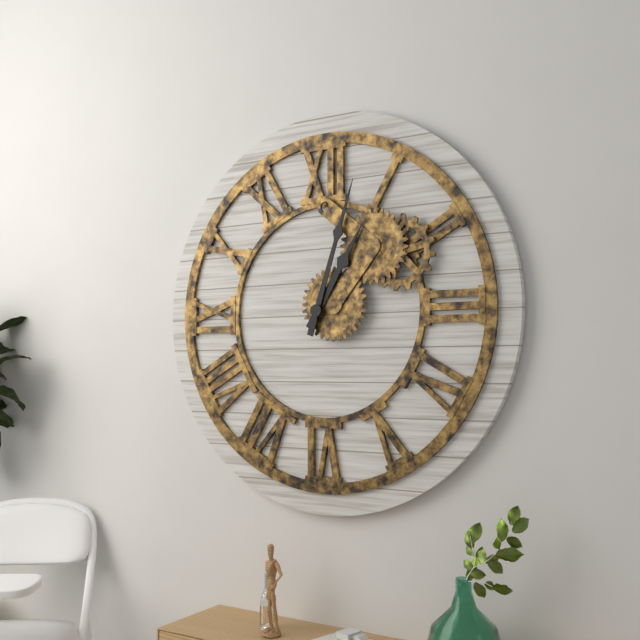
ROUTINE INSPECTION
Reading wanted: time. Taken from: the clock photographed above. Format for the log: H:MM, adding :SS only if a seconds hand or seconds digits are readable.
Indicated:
1:03
